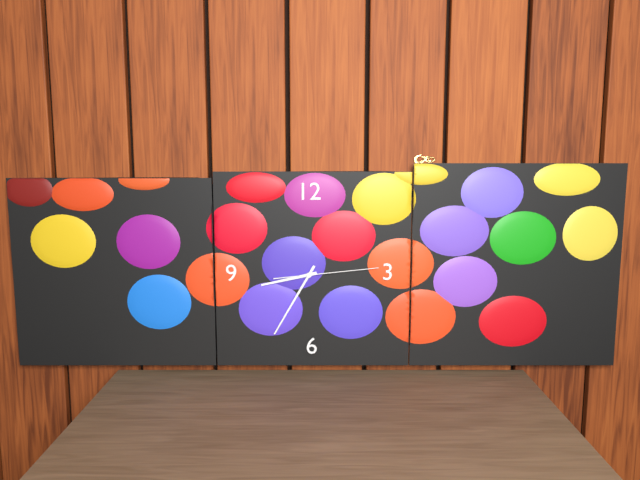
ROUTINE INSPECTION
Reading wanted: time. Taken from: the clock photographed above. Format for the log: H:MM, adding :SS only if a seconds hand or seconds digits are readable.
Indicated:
8:35:14
